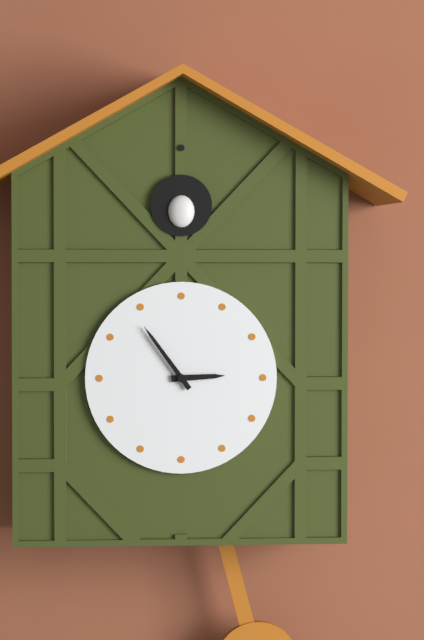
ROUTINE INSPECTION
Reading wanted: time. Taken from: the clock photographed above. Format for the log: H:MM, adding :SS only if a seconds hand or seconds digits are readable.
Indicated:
2:54
